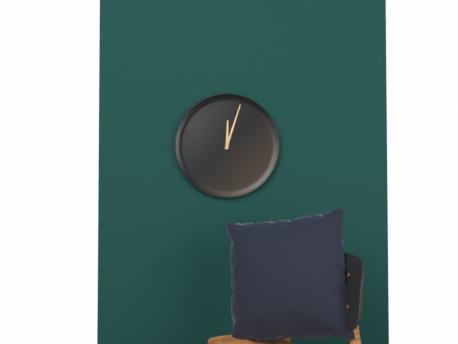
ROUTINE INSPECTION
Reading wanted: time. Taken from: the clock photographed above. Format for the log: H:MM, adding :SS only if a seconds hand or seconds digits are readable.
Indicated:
12:03
